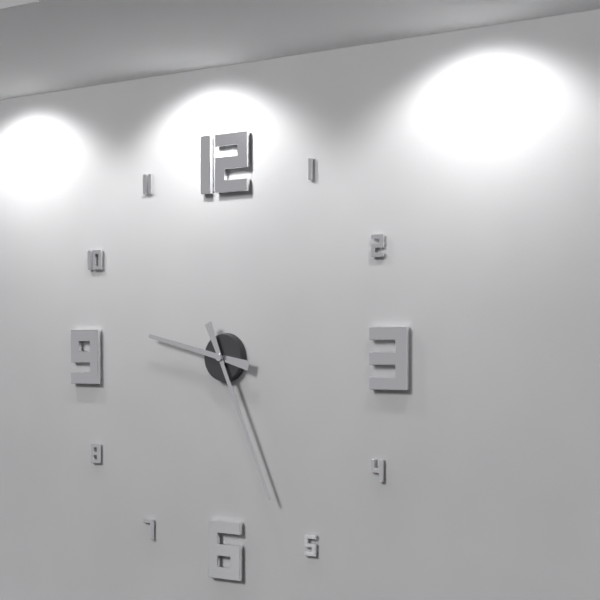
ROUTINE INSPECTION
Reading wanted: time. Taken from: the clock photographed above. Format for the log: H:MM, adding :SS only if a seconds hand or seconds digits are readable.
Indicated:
9:26
